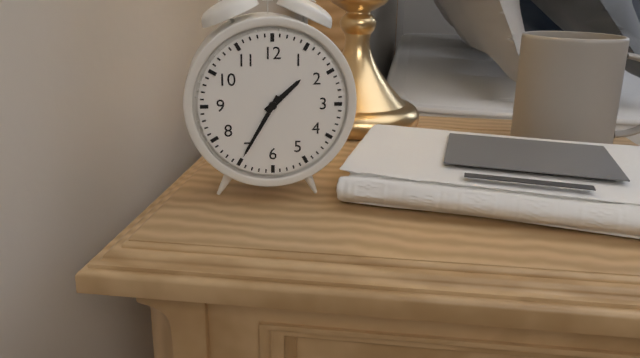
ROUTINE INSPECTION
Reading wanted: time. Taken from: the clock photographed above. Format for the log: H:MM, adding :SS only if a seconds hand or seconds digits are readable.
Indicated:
1:35
